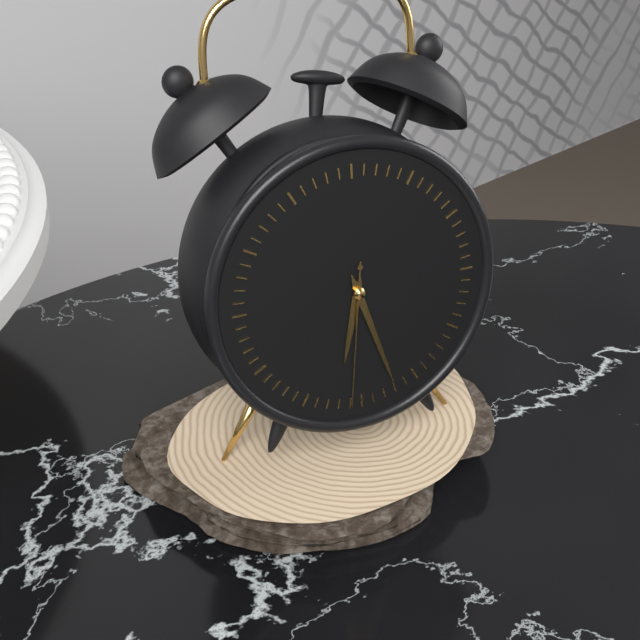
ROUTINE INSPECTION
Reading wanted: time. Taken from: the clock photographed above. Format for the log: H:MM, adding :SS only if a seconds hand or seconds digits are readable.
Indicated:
6:27:31
